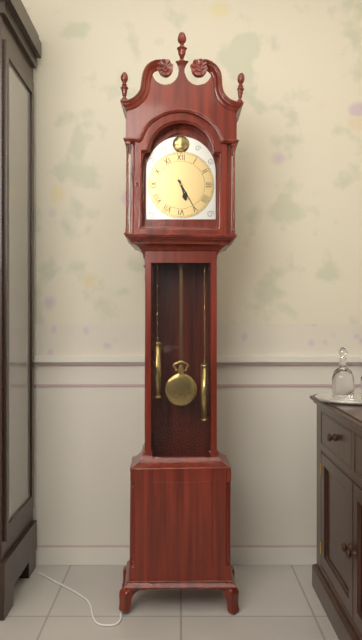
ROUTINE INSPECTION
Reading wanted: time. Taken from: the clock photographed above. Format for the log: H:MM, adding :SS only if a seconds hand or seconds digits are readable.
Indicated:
5:25
